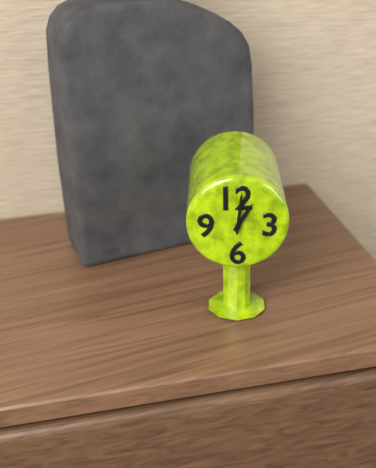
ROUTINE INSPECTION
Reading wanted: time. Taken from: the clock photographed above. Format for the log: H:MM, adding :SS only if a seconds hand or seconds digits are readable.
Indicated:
1:01
